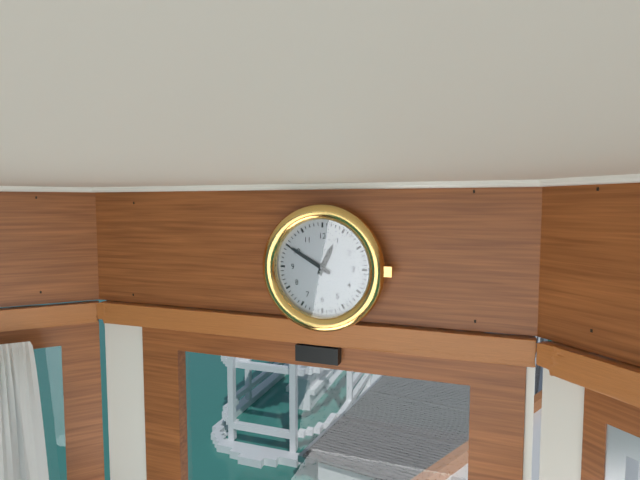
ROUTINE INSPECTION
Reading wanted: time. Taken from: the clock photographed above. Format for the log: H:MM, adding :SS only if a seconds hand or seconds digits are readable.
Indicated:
12:50
